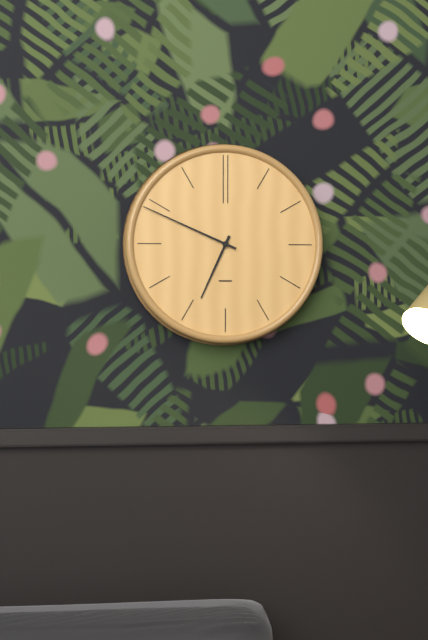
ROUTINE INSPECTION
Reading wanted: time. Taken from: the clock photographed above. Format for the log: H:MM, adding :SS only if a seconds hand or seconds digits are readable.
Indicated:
6:49
